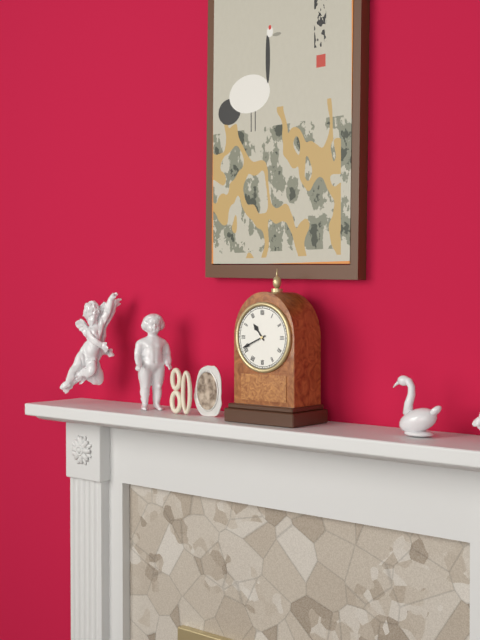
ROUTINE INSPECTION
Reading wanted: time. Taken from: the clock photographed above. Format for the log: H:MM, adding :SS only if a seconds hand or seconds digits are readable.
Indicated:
10:41
